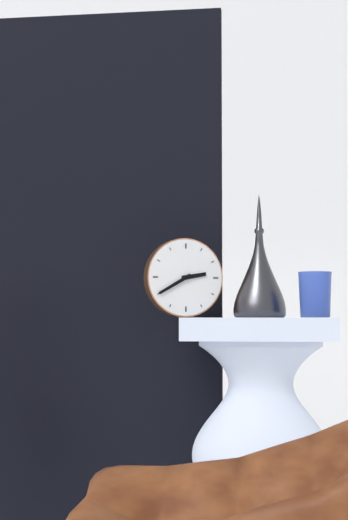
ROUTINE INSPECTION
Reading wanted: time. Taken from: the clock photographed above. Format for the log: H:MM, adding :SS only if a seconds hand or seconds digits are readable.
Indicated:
2:40
